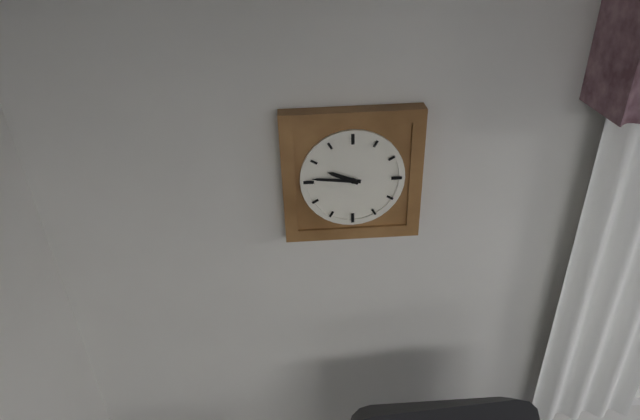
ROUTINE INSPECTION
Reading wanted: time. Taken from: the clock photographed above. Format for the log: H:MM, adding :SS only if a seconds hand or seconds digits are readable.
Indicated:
9:46
